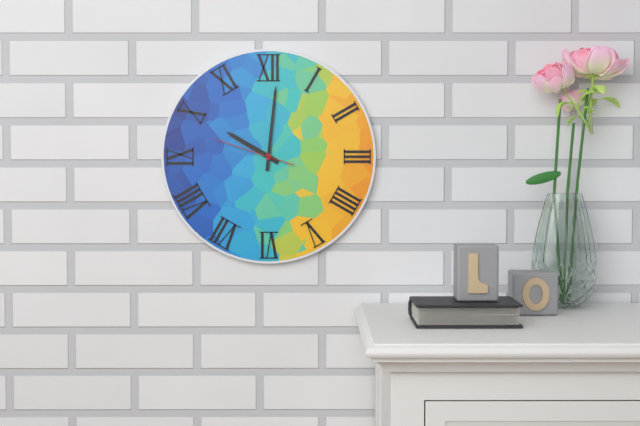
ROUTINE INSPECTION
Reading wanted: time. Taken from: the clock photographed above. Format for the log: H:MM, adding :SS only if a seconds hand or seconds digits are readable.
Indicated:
10:01:48
